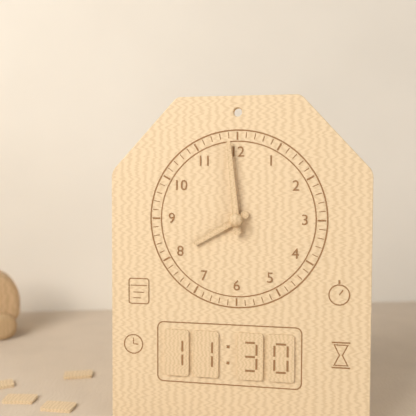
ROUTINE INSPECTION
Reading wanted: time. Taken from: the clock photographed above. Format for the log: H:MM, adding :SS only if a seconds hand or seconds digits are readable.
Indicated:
7:59
